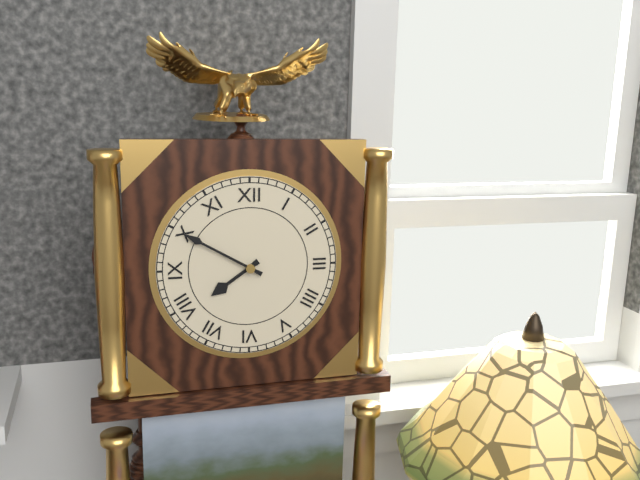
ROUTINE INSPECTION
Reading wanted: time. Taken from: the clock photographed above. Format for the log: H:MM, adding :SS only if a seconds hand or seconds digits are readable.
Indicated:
7:50
